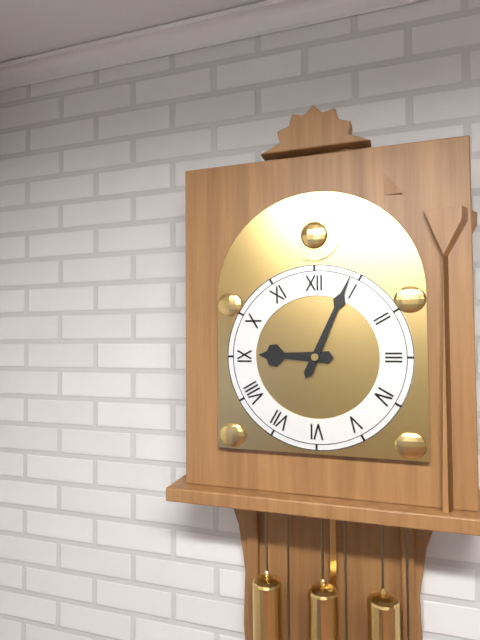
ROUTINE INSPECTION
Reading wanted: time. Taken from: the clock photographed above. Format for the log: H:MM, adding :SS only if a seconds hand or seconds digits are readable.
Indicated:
9:04
